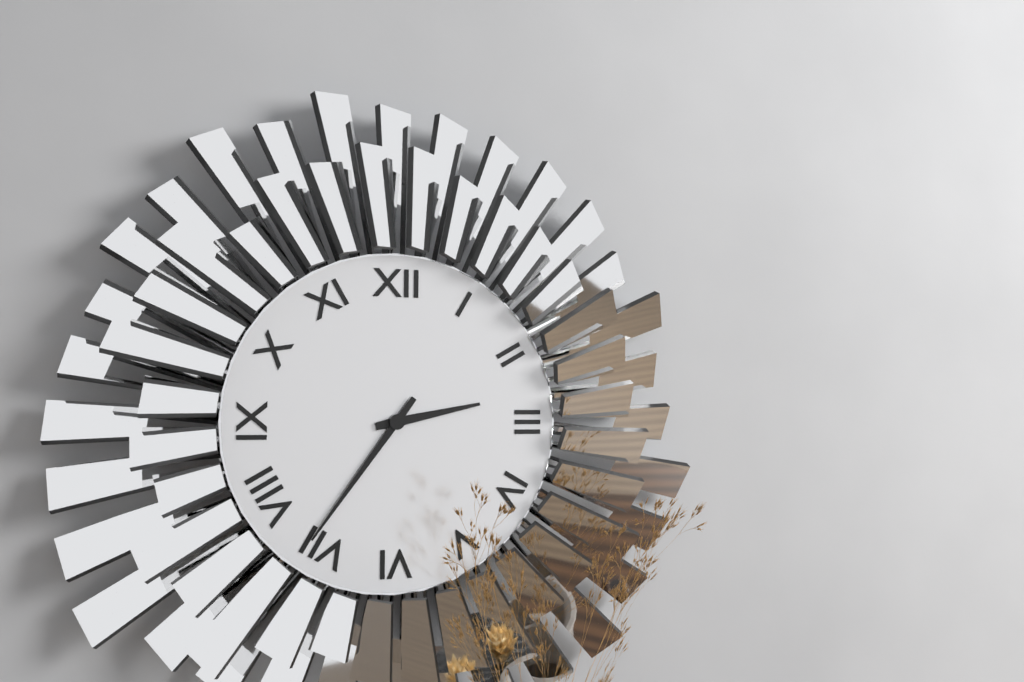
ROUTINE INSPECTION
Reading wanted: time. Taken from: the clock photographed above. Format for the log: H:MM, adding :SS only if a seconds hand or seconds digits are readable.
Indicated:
2:36
